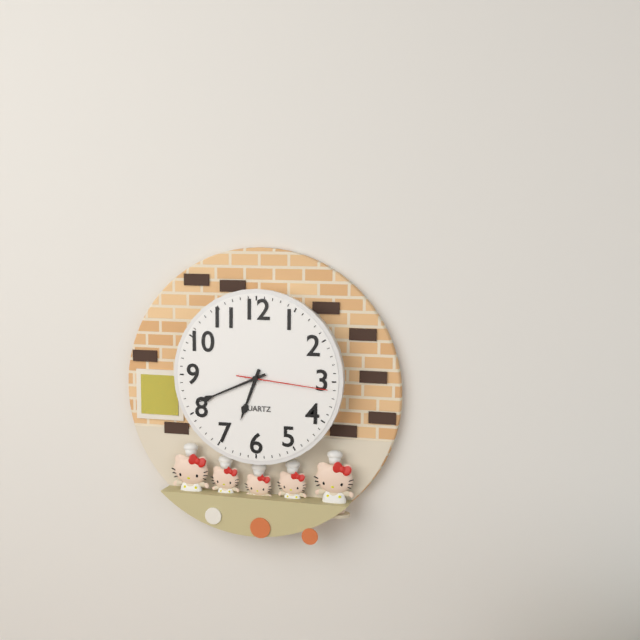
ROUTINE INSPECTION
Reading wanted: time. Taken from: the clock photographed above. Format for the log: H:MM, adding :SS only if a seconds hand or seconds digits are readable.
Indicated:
6:41:16
